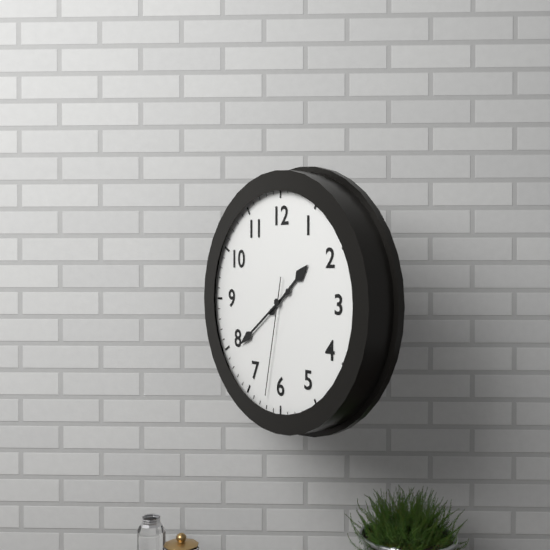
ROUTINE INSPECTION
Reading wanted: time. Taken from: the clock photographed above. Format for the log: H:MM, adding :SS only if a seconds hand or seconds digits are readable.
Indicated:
1:39:32
